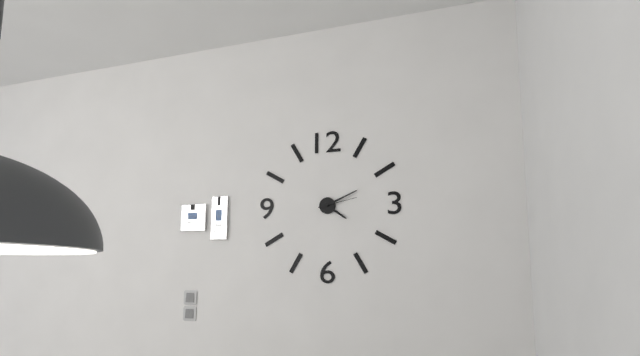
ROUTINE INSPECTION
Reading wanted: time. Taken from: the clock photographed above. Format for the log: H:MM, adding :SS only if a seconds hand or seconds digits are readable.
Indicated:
4:11
